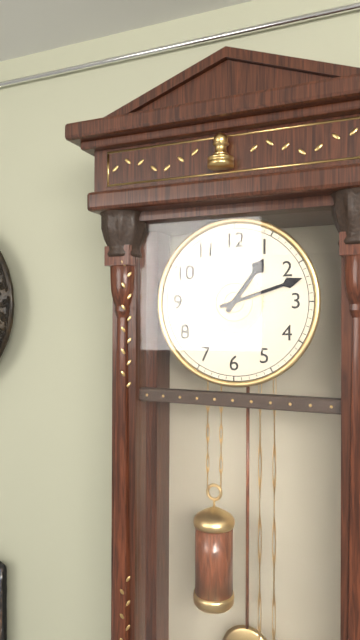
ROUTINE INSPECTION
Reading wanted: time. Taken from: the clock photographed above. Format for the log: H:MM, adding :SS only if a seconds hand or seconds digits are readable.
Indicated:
1:12
